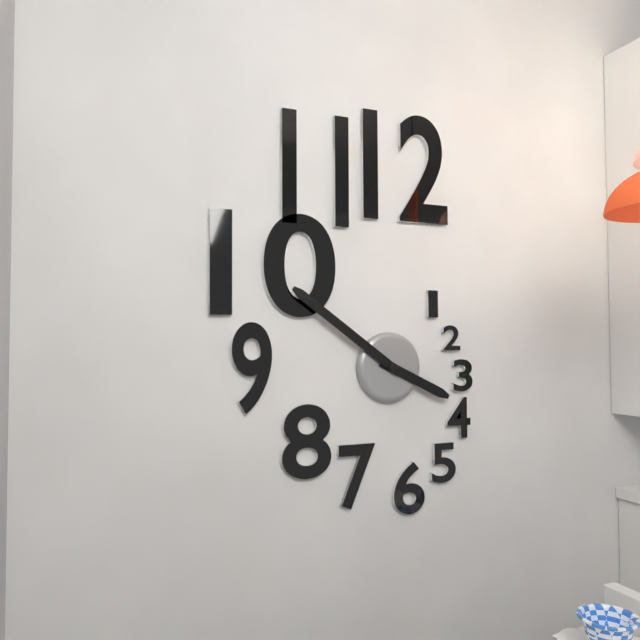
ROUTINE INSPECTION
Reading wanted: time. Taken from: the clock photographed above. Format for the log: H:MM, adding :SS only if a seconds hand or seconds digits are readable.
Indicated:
3:51
